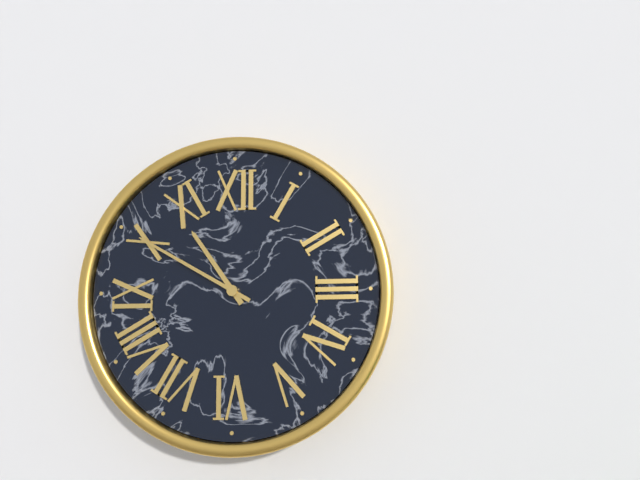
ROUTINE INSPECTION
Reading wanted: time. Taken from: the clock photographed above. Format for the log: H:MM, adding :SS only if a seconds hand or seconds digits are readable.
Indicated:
10:50
